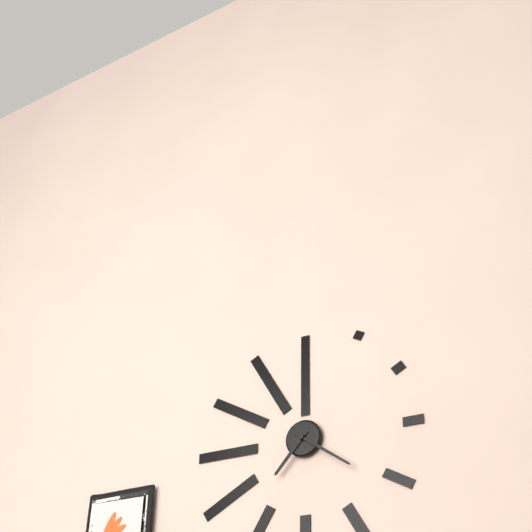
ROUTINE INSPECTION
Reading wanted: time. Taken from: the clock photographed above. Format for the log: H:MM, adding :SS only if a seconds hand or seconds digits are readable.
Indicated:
7:21
